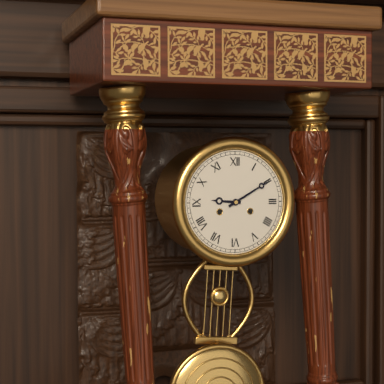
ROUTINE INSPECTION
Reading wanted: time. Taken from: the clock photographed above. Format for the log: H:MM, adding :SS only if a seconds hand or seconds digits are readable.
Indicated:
9:10
